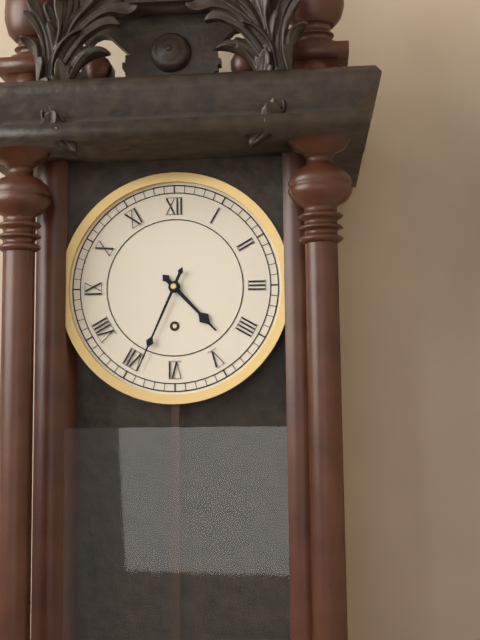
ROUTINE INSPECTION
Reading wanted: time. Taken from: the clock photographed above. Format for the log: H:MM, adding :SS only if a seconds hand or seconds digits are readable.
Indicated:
4:34
